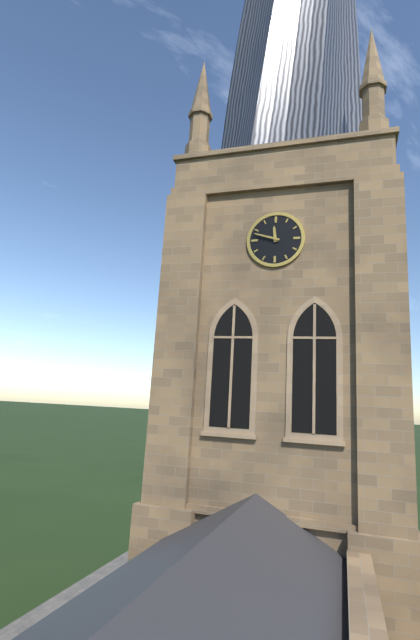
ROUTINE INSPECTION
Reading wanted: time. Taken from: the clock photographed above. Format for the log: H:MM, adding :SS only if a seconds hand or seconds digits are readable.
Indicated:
11:48
